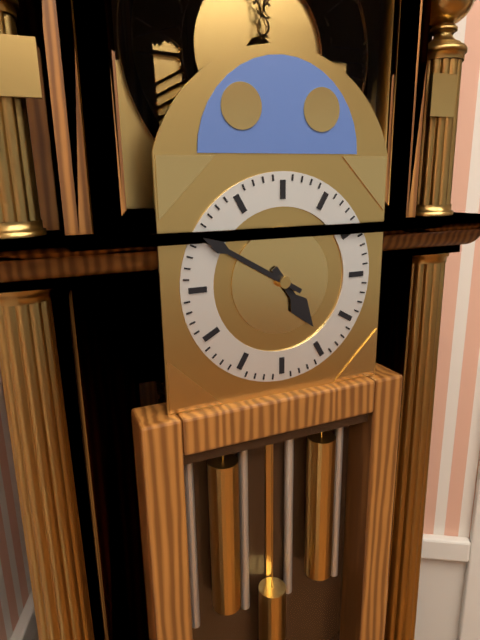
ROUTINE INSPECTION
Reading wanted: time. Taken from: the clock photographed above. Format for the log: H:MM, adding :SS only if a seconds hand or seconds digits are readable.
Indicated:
4:50
